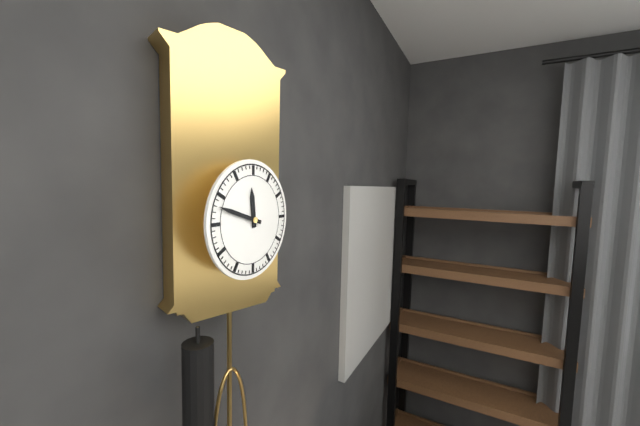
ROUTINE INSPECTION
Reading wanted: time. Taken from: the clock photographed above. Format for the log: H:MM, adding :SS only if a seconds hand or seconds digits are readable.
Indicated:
11:48
